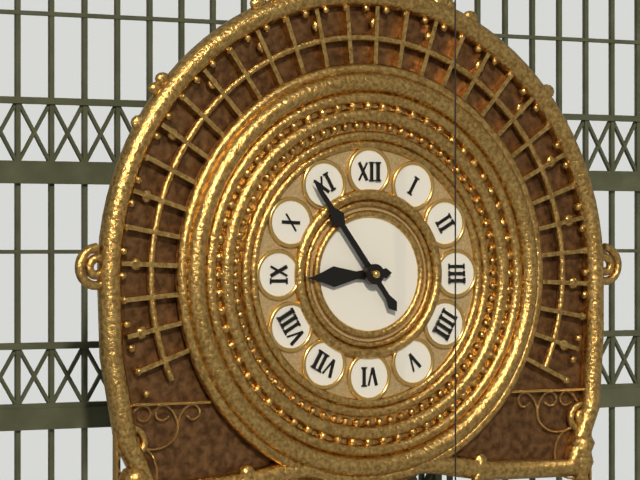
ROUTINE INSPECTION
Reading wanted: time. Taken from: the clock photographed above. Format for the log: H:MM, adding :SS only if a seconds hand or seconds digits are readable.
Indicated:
8:54
